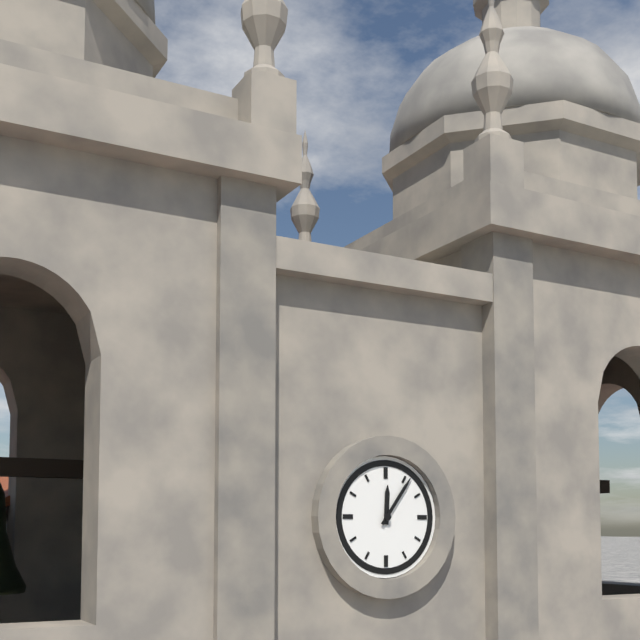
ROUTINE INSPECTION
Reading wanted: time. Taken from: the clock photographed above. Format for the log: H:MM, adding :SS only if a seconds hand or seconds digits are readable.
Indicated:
12:06
